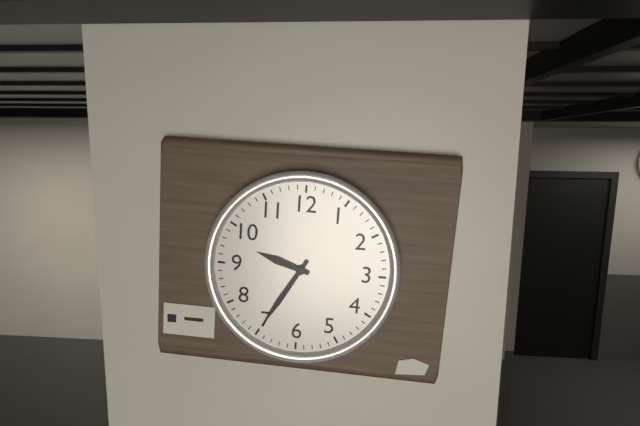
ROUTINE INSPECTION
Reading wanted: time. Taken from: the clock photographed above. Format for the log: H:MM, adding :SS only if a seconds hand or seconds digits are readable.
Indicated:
9:35
